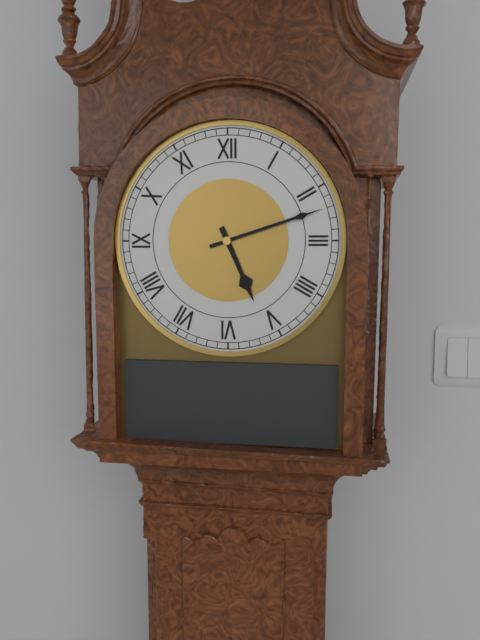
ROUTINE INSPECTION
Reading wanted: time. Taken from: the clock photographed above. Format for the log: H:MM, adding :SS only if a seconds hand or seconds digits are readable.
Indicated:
5:12
